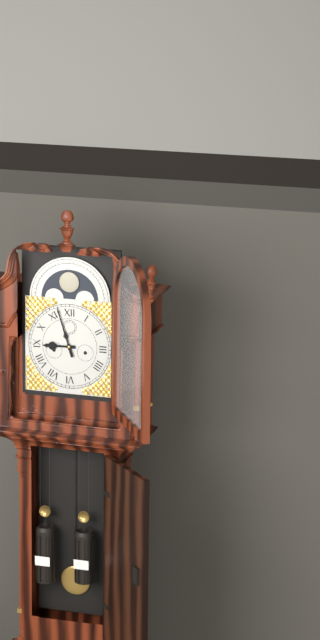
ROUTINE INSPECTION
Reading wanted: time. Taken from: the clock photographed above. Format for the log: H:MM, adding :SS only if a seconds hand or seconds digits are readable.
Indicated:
8:57
